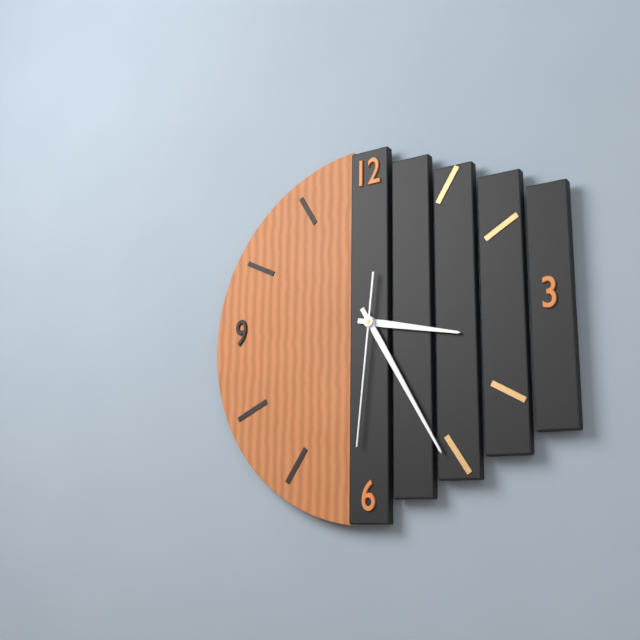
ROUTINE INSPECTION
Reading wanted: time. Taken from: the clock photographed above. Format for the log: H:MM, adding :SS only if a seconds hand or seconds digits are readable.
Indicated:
3:25:31
